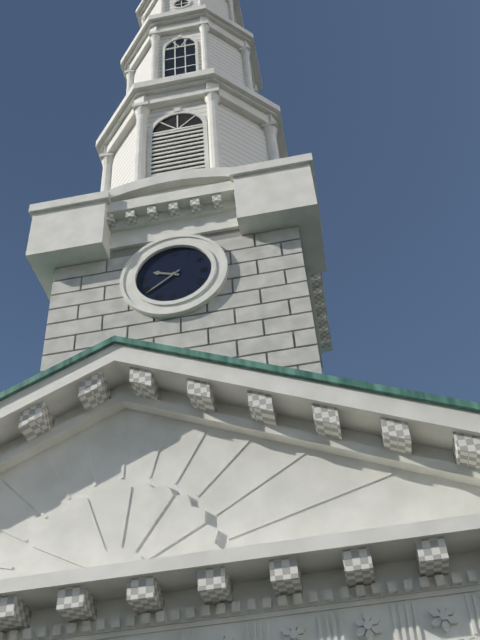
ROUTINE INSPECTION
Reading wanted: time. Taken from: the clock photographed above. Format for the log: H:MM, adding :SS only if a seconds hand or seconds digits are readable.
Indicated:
9:39
